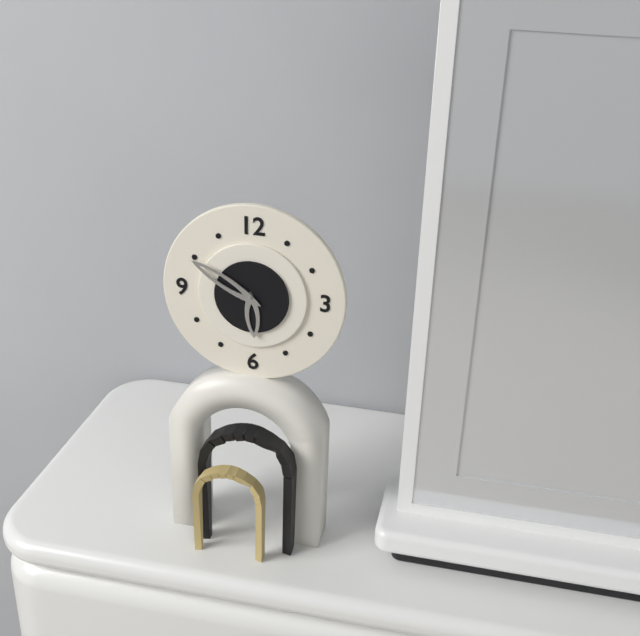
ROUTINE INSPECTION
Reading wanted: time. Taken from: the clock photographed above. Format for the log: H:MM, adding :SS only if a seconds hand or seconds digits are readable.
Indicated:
5:50
